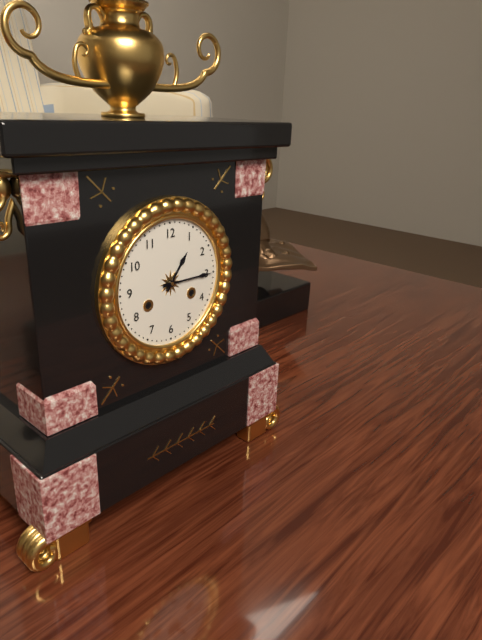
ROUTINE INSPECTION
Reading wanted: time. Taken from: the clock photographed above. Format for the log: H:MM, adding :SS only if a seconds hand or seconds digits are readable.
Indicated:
1:15
